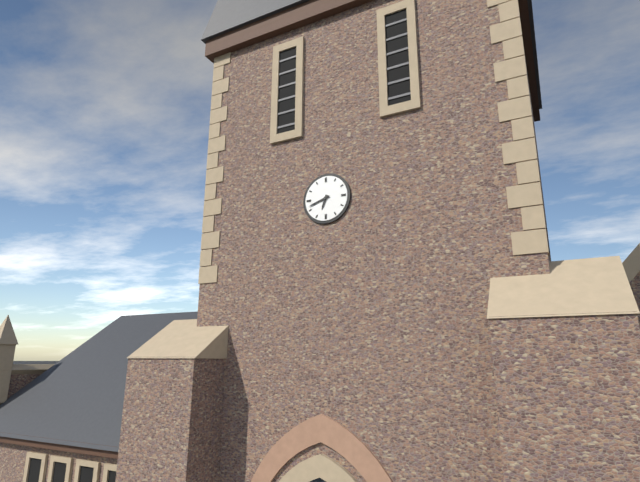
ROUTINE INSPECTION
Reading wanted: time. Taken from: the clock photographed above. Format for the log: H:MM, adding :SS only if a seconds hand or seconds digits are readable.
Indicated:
6:42
